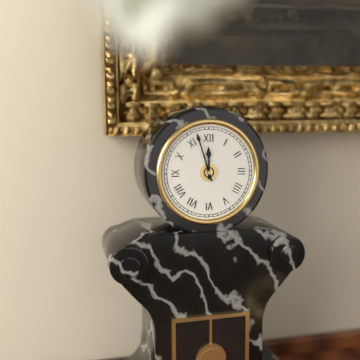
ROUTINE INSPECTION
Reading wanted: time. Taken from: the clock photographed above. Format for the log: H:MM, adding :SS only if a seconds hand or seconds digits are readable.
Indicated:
11:57
